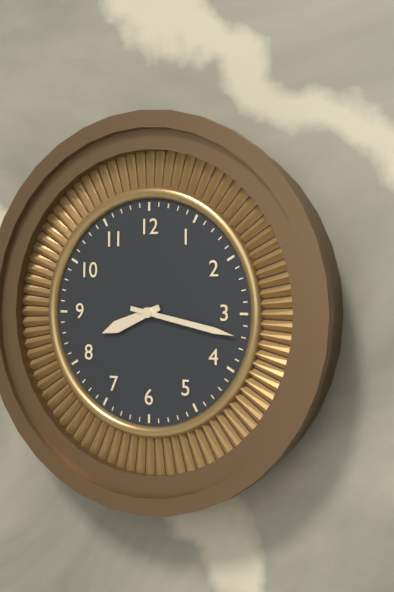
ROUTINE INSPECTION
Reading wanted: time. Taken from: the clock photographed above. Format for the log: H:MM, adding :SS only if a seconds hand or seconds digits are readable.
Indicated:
8:17
